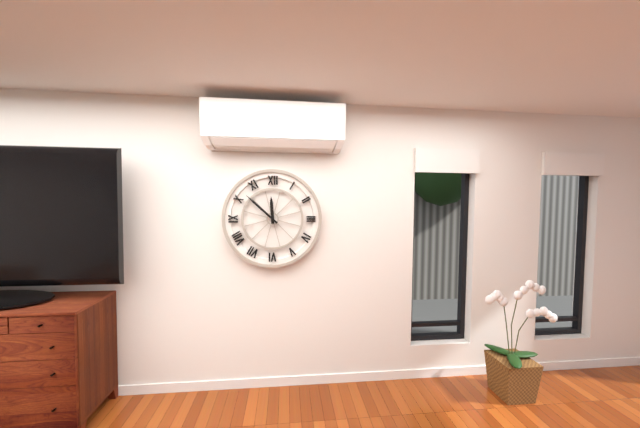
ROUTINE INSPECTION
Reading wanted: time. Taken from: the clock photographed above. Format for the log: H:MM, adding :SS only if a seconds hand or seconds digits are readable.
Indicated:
11:52
